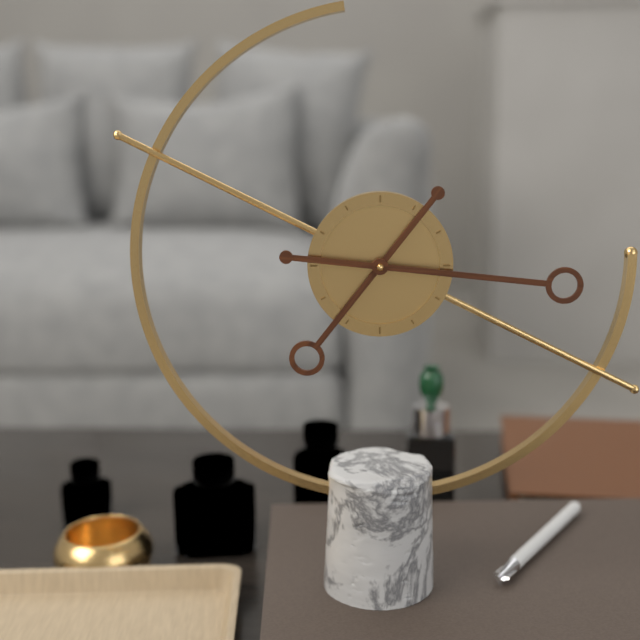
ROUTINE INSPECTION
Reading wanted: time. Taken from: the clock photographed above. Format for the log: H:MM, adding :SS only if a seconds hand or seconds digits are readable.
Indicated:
7:16
